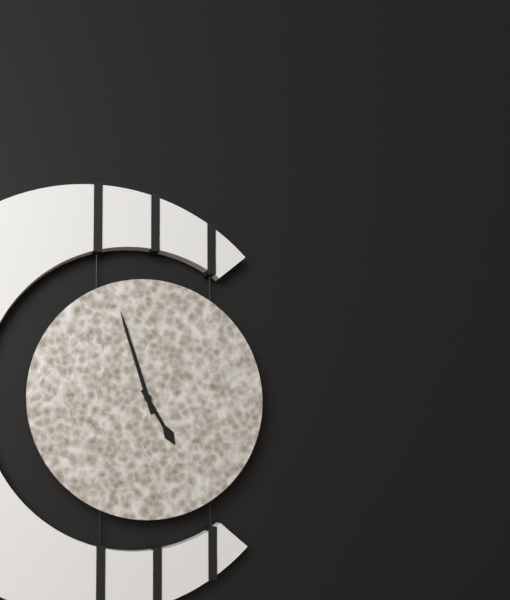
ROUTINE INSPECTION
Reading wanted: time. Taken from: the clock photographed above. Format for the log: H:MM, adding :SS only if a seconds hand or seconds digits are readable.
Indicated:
4:57
